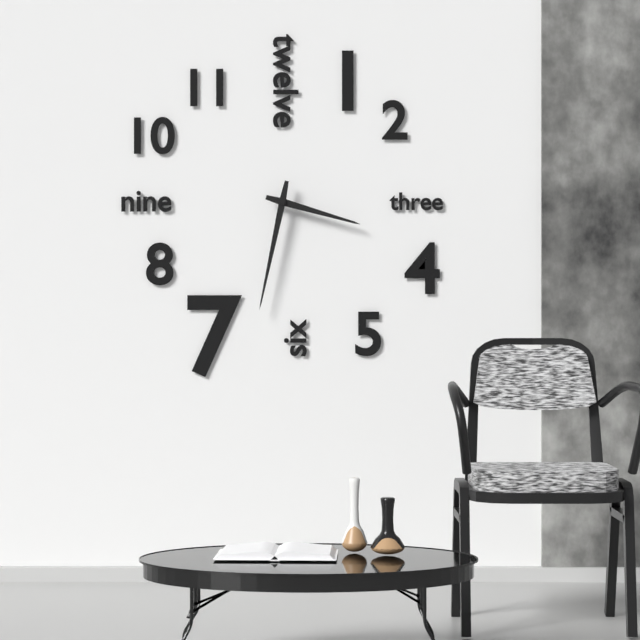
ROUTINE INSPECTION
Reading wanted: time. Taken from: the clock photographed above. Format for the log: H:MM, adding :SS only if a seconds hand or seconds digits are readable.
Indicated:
3:32
